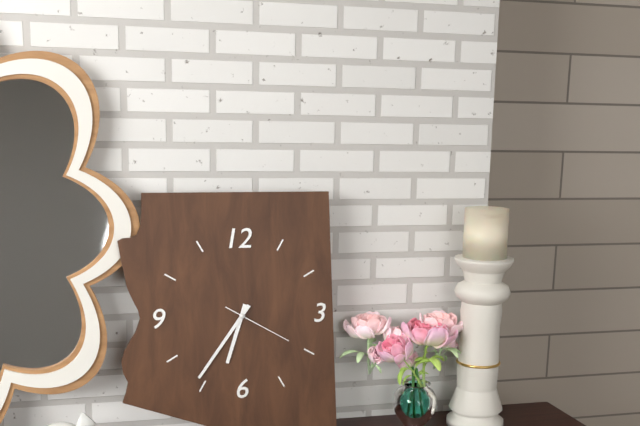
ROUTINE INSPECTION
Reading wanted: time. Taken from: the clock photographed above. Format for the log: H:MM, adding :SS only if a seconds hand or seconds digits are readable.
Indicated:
6:36:20
